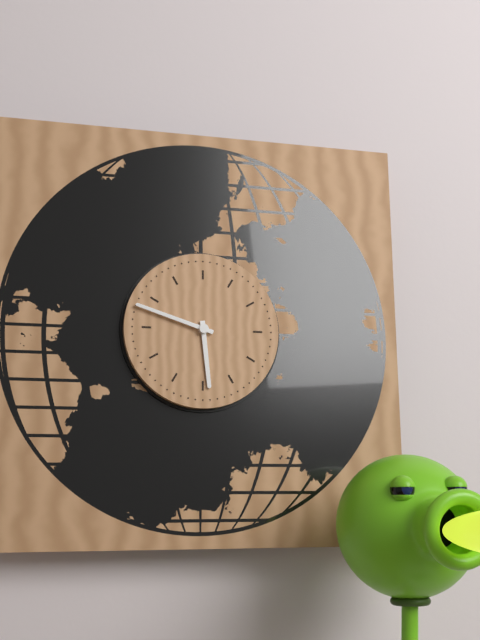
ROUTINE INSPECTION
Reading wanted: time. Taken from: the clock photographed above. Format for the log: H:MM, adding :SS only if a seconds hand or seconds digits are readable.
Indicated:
5:48
